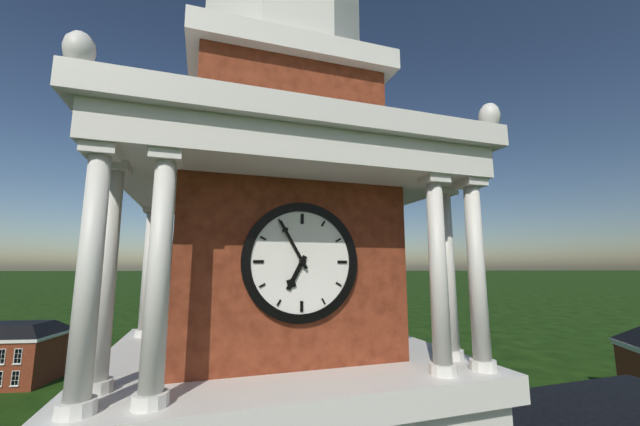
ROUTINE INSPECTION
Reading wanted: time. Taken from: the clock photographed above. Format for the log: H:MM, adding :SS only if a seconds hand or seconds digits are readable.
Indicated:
6:55
